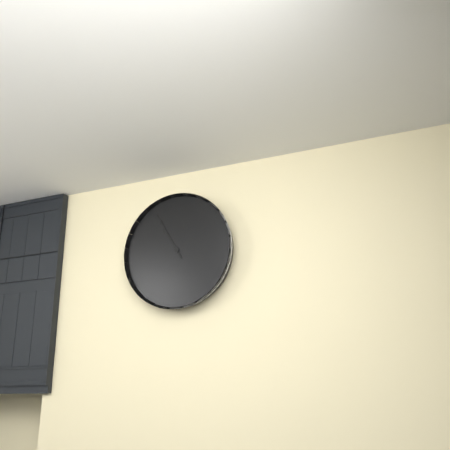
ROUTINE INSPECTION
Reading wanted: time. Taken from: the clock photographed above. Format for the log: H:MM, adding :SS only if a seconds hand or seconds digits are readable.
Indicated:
10:55
